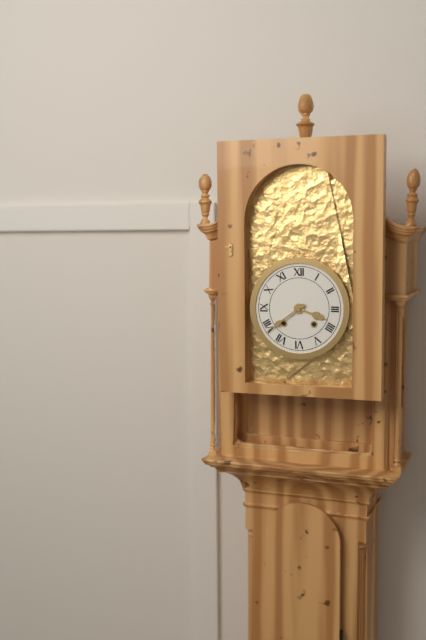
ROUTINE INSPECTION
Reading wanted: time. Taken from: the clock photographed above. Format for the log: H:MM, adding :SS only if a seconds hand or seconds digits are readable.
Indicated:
3:39
